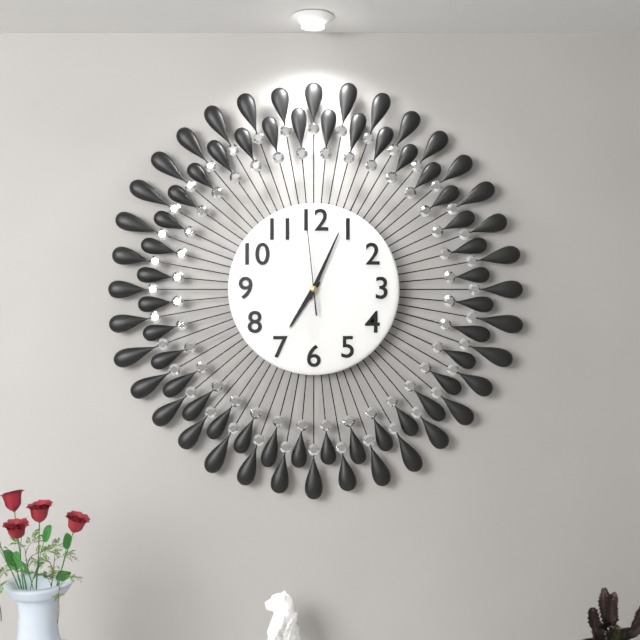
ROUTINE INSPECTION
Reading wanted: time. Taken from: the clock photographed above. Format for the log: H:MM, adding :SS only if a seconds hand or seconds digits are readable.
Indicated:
7:04:59
